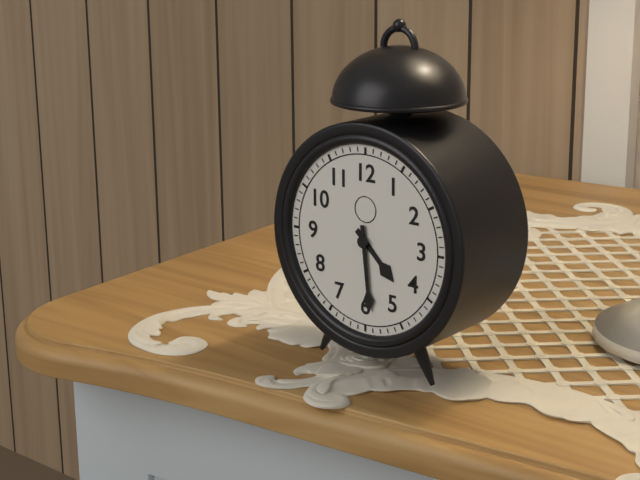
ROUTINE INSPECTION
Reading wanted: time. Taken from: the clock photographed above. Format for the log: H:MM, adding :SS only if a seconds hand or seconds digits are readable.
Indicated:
4:29
